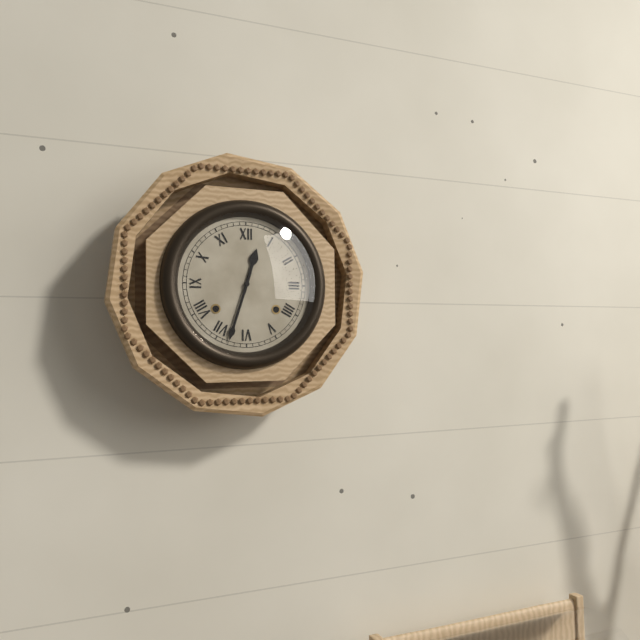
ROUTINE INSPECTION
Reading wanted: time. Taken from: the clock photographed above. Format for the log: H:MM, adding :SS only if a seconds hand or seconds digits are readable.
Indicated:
12:33
